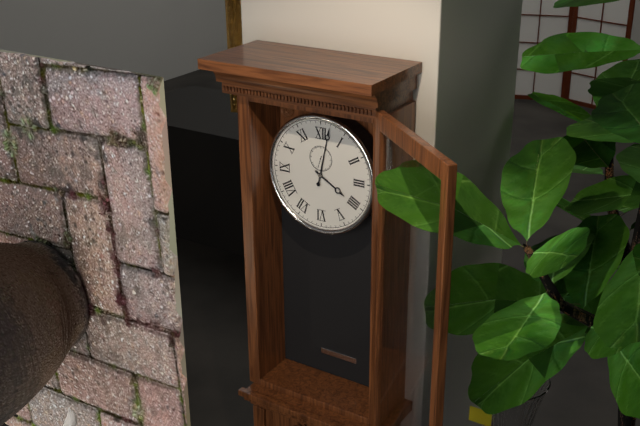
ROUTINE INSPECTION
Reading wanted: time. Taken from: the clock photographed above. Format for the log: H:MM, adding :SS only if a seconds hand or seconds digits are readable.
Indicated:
4:02
